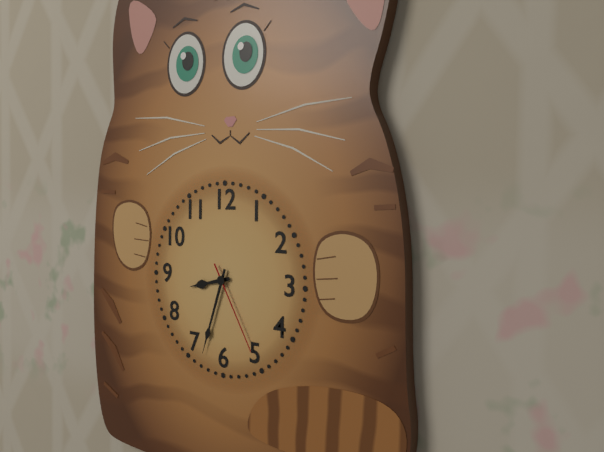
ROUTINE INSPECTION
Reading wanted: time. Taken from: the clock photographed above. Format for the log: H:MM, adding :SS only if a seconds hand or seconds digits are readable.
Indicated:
8:33:25
